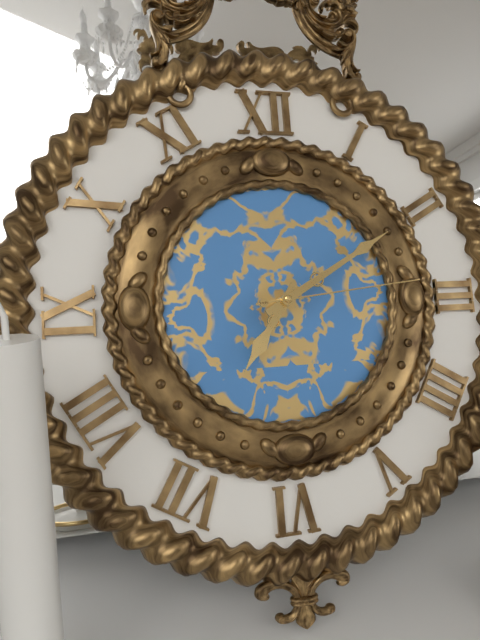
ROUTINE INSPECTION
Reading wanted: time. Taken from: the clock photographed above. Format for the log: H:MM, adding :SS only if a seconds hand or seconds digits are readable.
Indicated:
7:10:14
